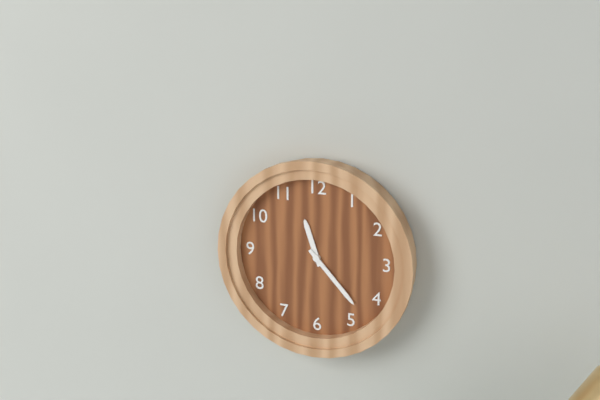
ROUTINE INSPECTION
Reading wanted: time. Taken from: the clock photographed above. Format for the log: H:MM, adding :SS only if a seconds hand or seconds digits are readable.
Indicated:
11:23
